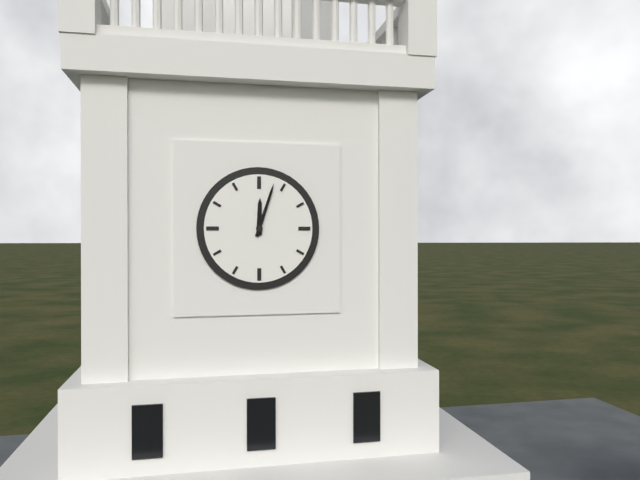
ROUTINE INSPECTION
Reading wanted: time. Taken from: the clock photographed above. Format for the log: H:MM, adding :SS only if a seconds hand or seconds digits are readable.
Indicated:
12:03
